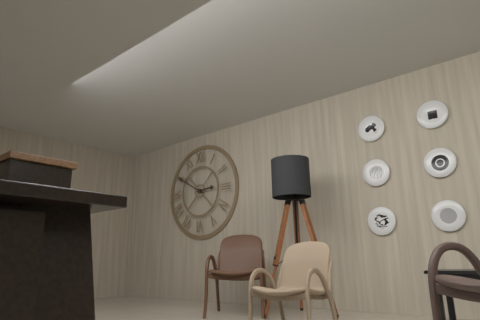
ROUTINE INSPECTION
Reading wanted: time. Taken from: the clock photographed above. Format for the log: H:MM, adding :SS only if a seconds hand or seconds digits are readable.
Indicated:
2:50
